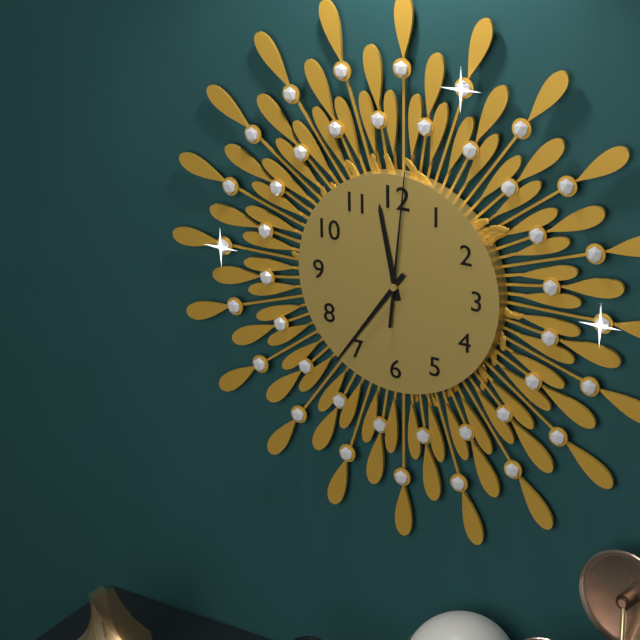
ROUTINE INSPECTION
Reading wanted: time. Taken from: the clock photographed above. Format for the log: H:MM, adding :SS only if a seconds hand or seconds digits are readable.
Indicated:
11:36:01
